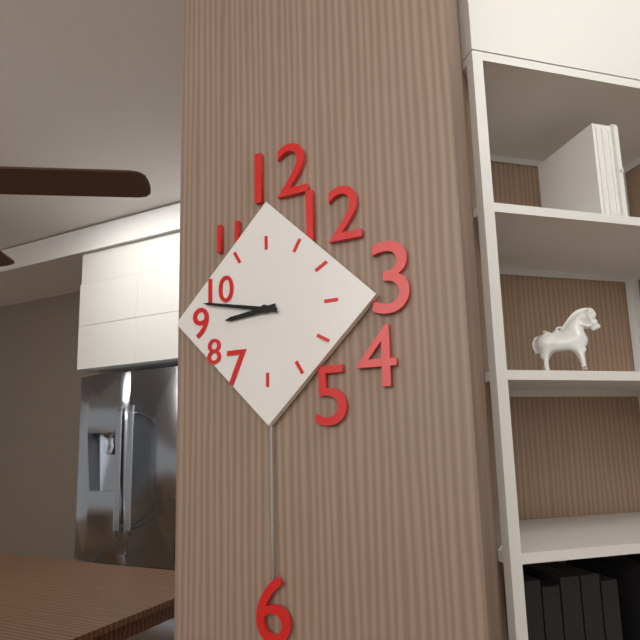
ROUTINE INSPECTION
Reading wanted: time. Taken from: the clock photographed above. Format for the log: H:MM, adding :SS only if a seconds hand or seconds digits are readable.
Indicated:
8:47
